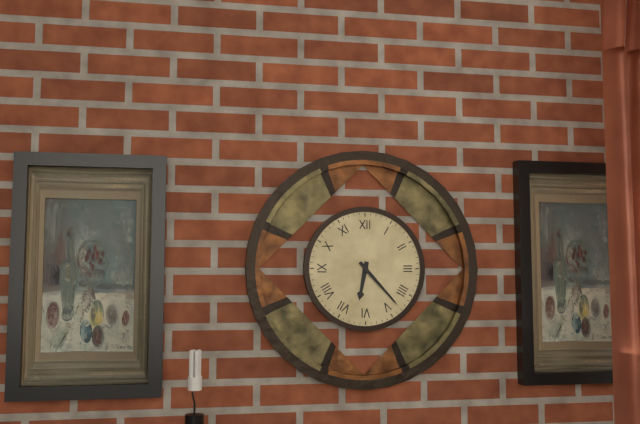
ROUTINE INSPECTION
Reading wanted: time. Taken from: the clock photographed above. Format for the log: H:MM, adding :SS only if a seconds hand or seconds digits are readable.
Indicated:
6:23
